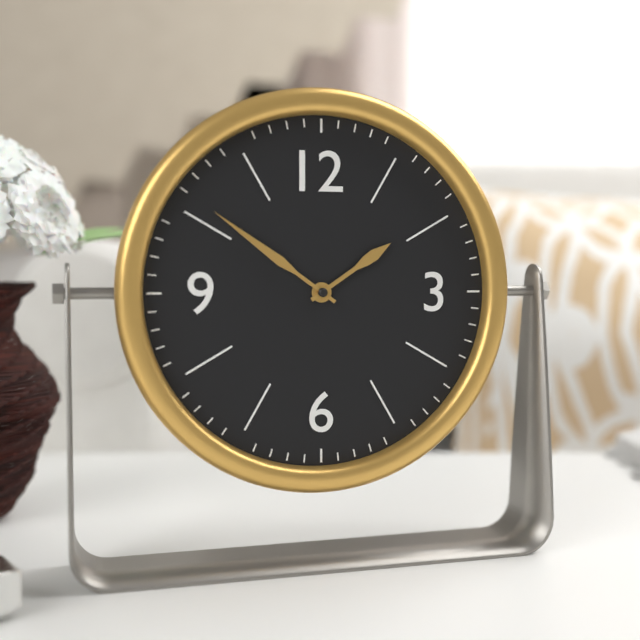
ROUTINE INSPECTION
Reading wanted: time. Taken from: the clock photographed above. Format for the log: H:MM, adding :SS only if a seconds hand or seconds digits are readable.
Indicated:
1:51
